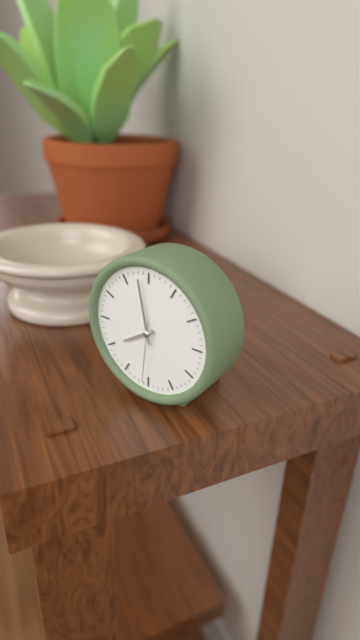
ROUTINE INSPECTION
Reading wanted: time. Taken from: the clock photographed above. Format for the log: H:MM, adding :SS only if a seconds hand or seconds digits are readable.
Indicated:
7:58:31
